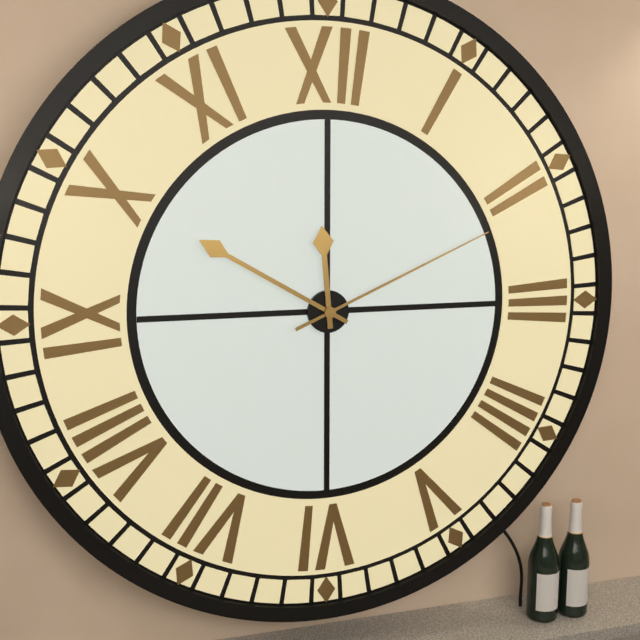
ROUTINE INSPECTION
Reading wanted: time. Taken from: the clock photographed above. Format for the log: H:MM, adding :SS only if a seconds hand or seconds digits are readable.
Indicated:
11:50:11
